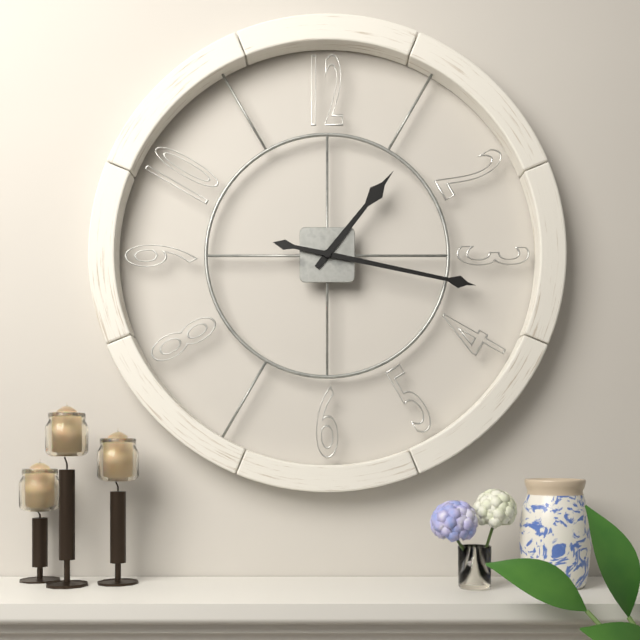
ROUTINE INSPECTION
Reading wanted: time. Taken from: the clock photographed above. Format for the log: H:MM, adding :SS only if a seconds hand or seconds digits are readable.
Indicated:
1:17
